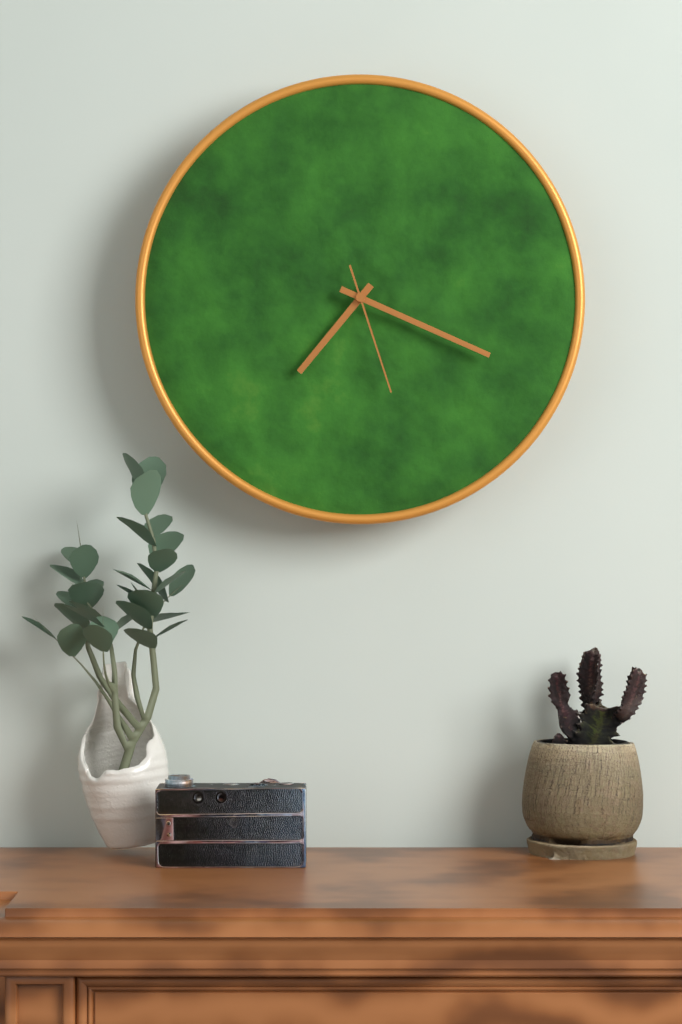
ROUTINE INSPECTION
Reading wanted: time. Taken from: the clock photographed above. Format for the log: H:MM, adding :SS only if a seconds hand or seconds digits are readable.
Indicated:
7:19:27
